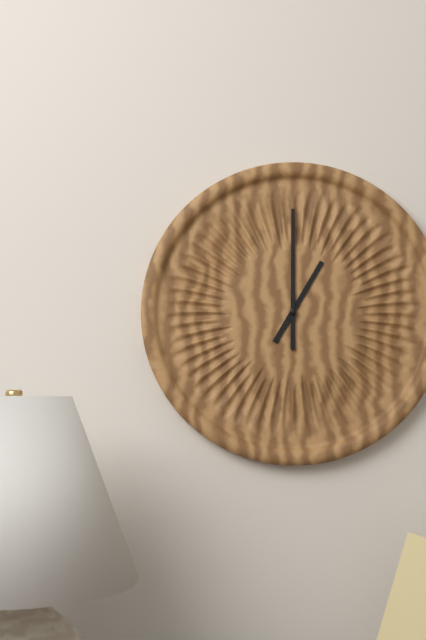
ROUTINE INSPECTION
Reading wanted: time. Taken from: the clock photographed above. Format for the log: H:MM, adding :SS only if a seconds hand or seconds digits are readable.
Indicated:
1:00
